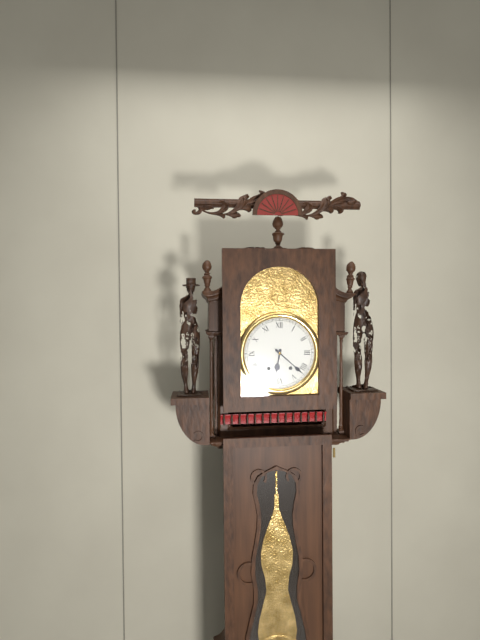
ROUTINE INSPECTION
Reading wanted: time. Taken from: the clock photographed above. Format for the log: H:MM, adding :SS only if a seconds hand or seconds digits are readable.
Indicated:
6:22
